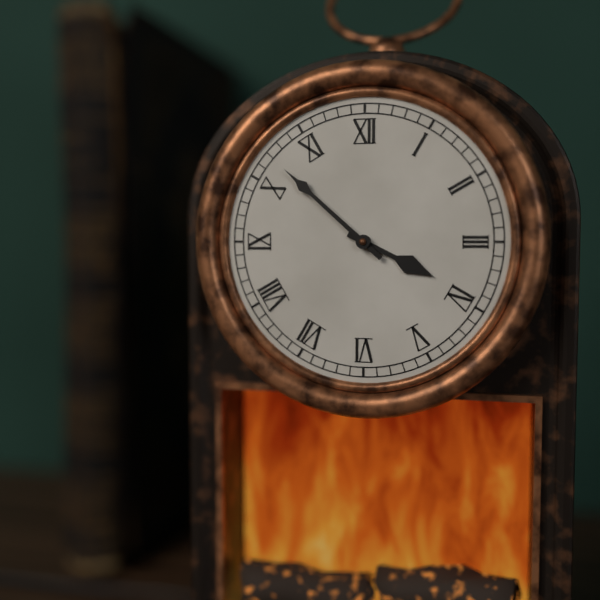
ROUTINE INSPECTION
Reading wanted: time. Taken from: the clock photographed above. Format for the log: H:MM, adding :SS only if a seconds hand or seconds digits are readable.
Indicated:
3:52
